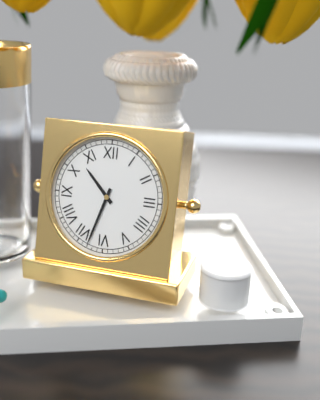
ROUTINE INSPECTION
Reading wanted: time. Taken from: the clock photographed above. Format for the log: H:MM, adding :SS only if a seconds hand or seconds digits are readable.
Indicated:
10:33
